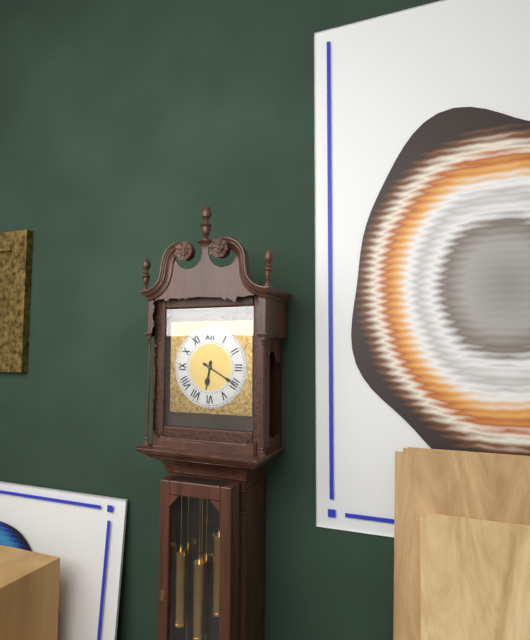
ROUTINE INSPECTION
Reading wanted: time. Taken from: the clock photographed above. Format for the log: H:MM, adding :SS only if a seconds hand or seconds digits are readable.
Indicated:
6:20
